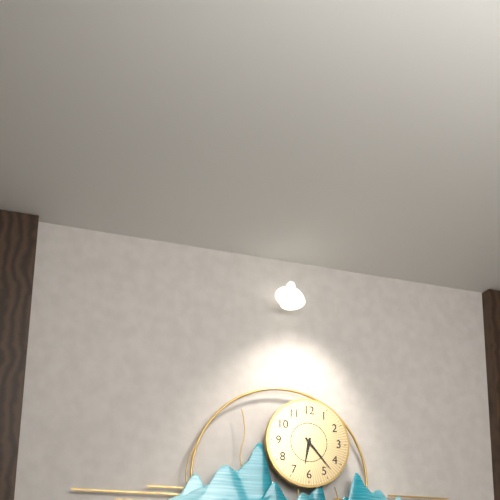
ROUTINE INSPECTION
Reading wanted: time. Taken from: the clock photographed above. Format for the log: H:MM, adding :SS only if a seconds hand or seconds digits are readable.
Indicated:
6:23
